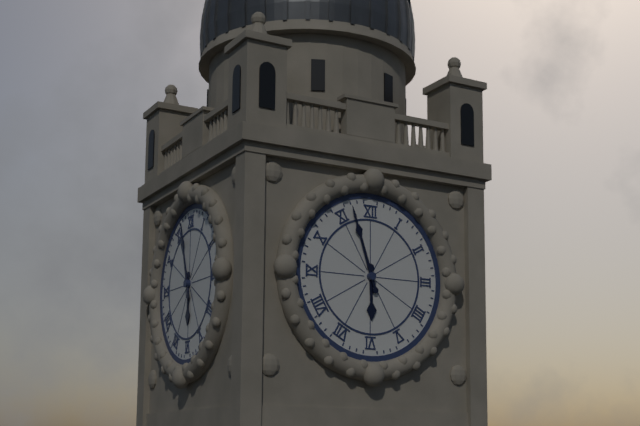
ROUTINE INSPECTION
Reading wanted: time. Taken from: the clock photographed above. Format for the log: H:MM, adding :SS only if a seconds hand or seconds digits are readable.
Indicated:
5:57
